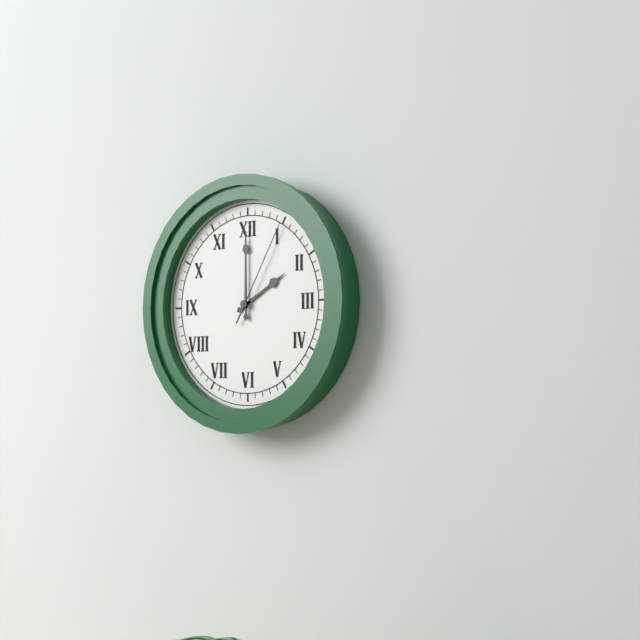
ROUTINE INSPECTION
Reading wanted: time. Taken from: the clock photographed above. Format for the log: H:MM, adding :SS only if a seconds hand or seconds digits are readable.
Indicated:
2:00:05
